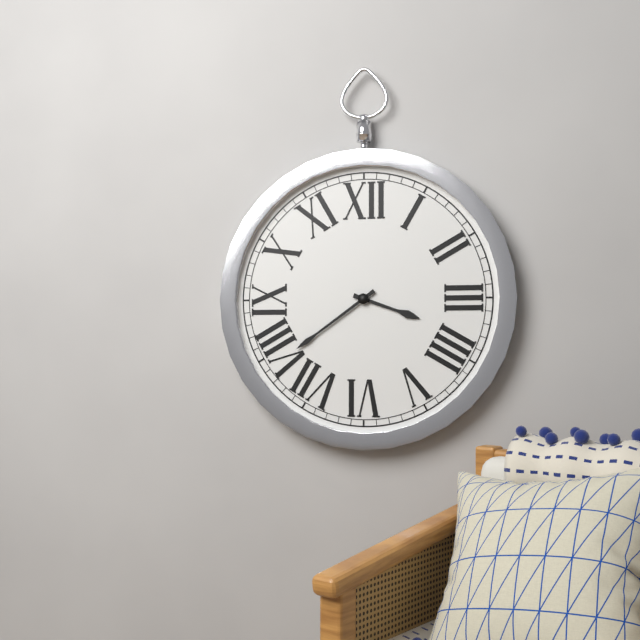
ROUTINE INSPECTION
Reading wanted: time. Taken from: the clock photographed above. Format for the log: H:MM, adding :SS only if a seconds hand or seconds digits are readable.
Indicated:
3:39
